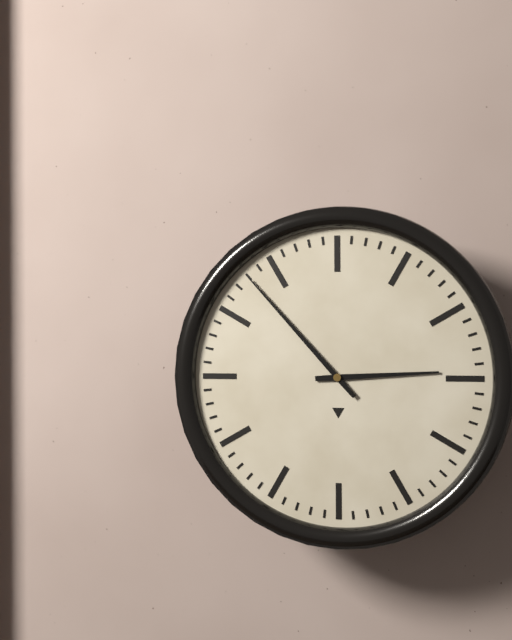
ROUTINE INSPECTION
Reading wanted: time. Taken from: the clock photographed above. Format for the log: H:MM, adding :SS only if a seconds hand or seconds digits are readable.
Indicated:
2:53
